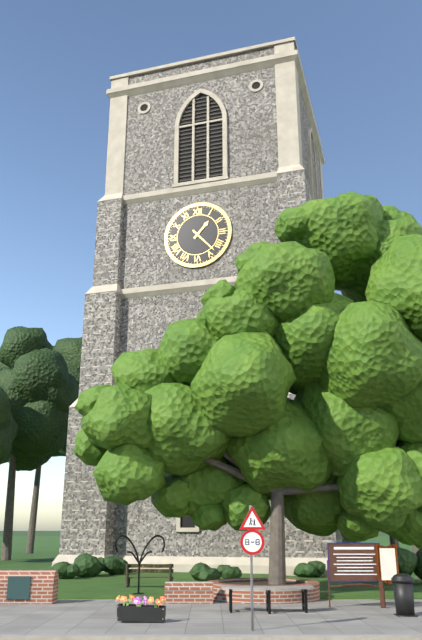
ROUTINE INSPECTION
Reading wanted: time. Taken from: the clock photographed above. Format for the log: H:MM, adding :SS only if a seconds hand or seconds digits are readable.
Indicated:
1:23
